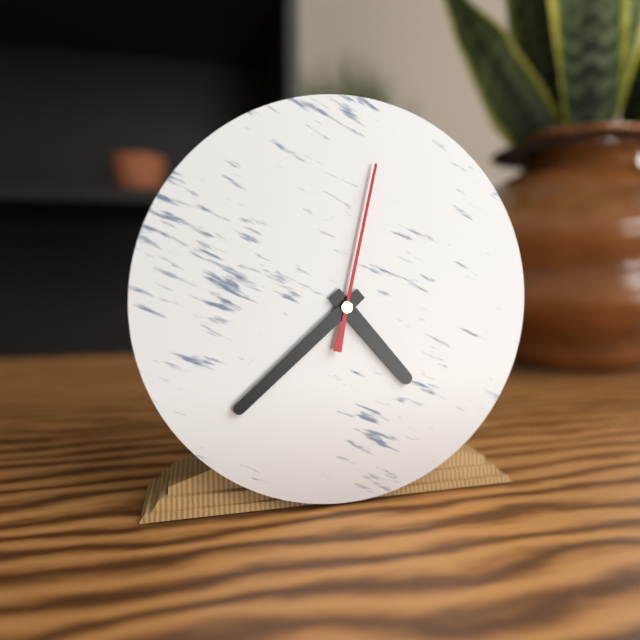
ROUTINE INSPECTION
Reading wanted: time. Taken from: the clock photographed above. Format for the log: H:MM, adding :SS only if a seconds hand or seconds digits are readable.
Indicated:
4:38:02
